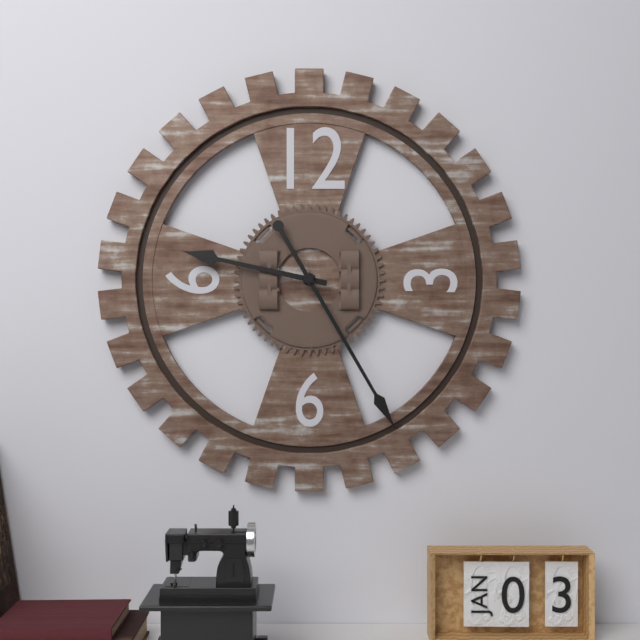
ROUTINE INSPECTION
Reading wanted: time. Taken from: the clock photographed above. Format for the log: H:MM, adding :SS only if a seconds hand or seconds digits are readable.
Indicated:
9:25
